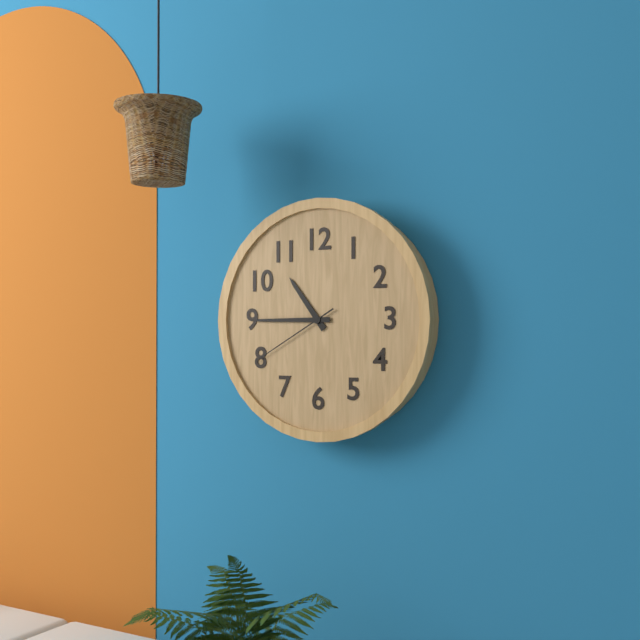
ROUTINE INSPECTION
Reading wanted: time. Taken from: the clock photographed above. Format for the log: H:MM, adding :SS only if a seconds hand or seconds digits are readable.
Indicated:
10:45:40
